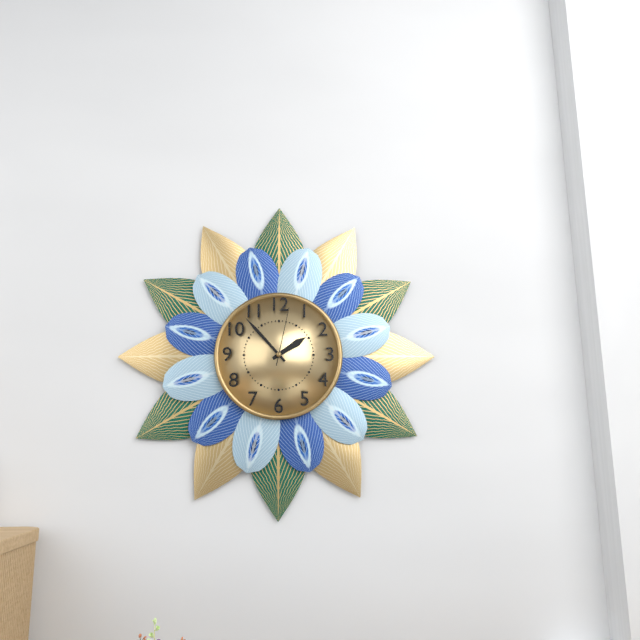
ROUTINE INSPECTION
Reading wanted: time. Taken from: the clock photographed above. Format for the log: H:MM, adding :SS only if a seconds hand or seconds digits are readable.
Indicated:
1:53:02
